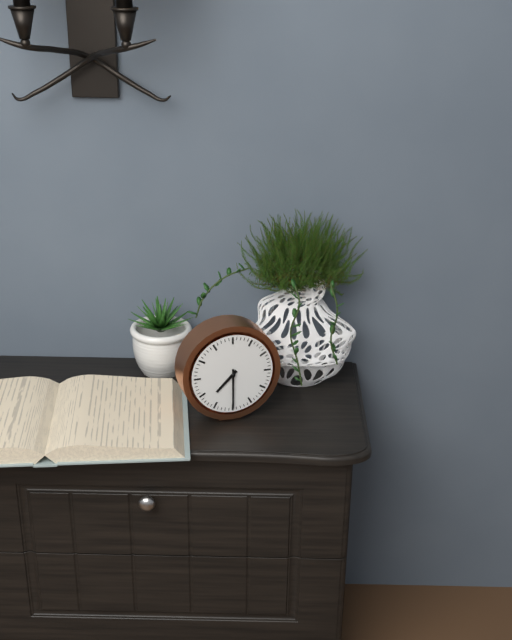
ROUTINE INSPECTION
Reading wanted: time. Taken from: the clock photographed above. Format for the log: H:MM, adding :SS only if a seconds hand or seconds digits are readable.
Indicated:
7:30
